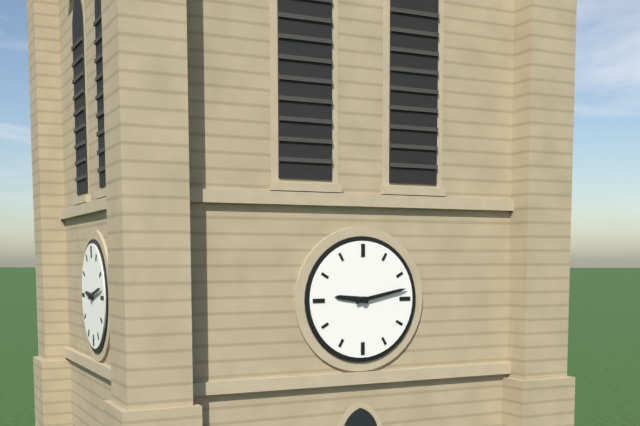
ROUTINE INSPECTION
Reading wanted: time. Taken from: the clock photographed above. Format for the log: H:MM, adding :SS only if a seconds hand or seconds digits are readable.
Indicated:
9:13
